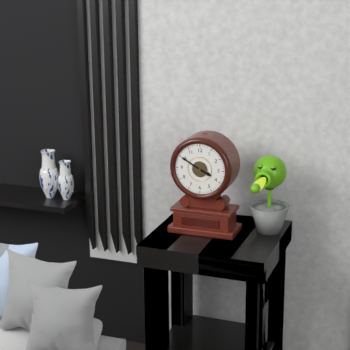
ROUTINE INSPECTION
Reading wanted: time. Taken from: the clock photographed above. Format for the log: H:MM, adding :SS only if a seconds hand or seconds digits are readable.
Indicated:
3:50
